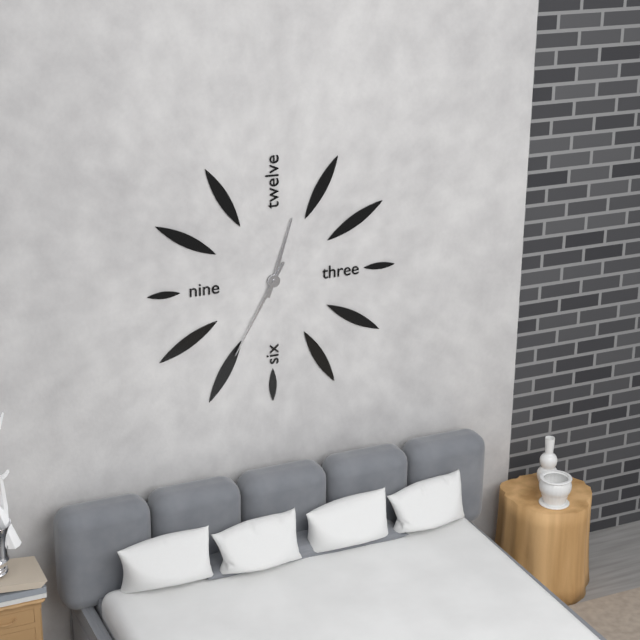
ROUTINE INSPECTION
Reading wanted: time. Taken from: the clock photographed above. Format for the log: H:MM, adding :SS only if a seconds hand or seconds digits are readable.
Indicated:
12:35
